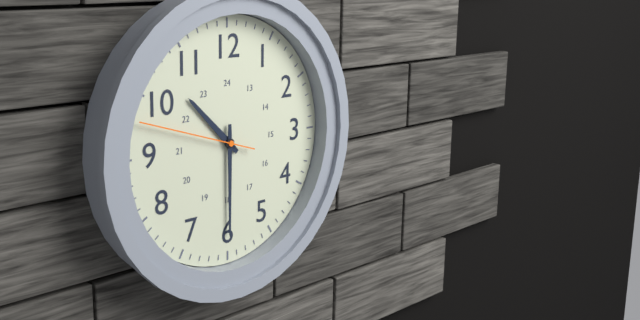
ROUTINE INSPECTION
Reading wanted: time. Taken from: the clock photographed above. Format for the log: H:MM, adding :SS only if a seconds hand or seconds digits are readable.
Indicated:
10:30:48
